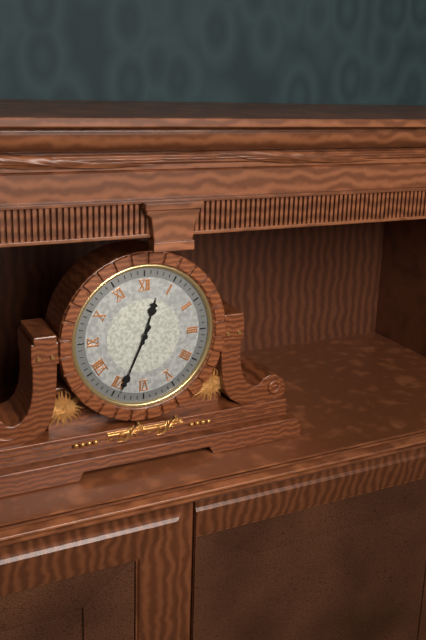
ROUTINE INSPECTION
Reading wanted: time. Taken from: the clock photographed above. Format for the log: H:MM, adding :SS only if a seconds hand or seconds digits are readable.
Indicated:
12:34
